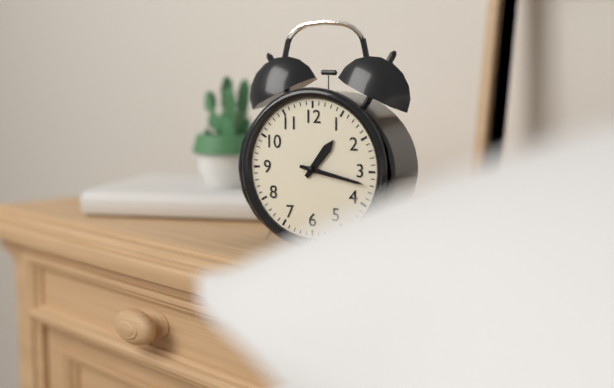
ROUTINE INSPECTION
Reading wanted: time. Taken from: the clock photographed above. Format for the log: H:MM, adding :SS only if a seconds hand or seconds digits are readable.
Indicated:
1:17
